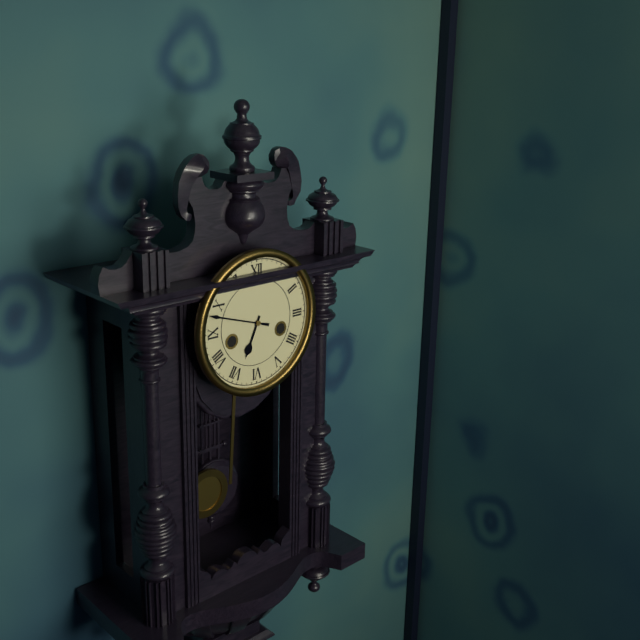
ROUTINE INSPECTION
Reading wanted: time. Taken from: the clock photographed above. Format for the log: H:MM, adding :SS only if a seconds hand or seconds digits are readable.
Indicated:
6:48
